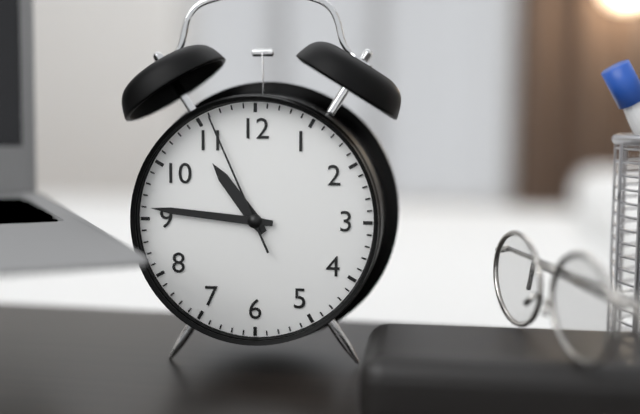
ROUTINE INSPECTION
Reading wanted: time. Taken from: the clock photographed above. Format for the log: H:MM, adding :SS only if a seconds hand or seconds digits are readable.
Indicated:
10:46:56
